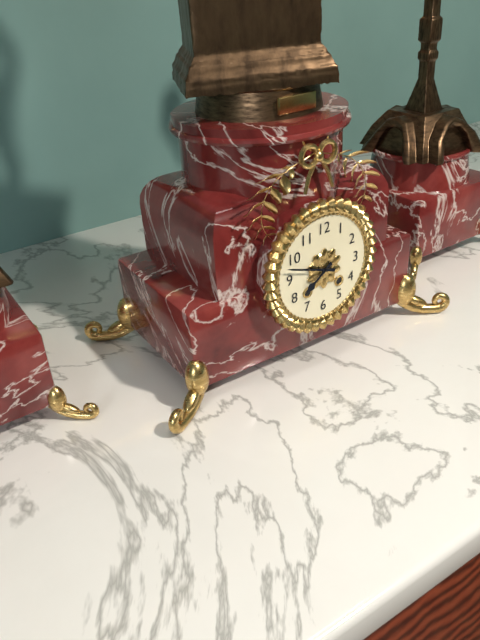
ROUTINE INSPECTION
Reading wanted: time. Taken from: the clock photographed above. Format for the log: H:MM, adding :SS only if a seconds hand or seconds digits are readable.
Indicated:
7:48
